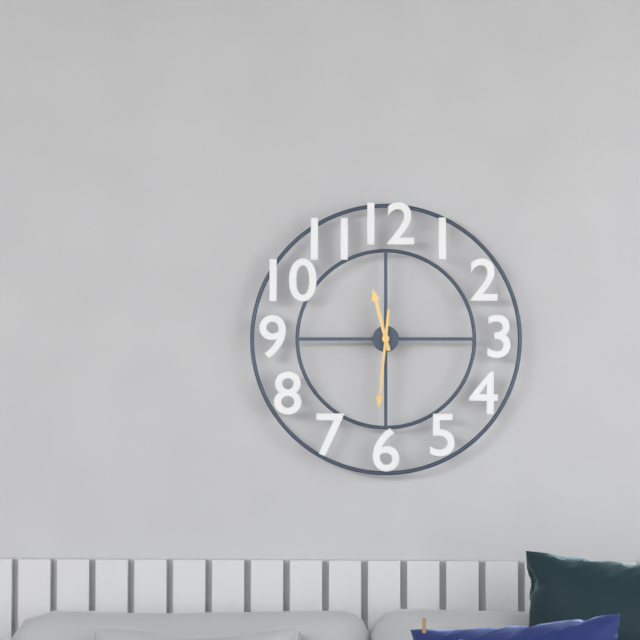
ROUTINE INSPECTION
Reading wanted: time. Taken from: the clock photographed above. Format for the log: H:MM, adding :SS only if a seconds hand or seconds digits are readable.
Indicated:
11:31
